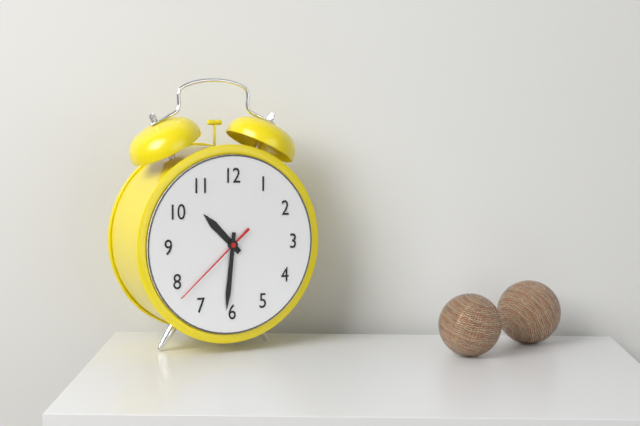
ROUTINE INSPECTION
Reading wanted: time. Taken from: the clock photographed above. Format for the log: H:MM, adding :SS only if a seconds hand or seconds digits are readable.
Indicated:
10:31:38
